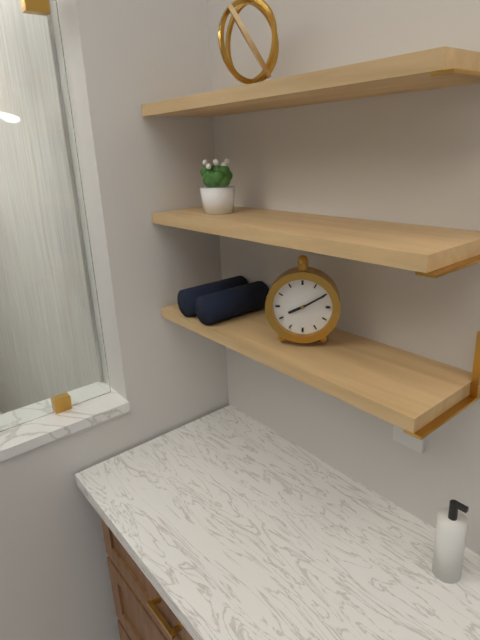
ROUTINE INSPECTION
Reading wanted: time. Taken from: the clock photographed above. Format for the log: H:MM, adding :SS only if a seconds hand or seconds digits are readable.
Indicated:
8:10
